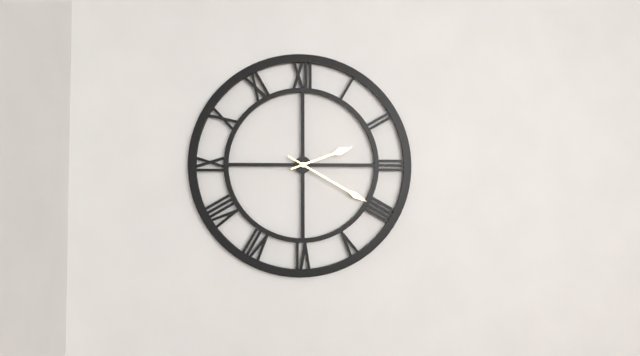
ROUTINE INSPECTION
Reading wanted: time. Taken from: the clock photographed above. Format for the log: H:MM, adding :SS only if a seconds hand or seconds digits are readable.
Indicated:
2:20
